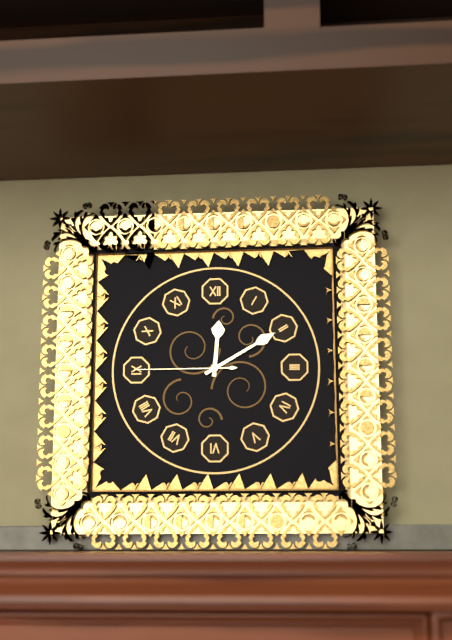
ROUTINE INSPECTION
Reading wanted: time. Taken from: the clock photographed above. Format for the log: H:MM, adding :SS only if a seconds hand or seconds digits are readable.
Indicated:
12:10:45
